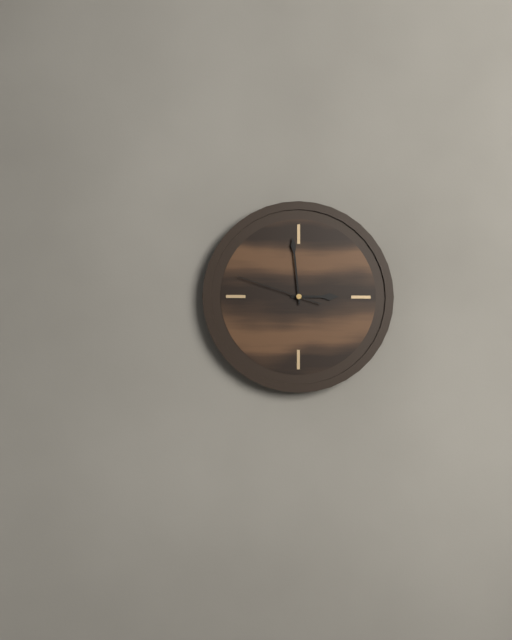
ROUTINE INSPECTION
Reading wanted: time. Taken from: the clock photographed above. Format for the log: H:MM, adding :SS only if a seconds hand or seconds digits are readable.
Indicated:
2:59:48
